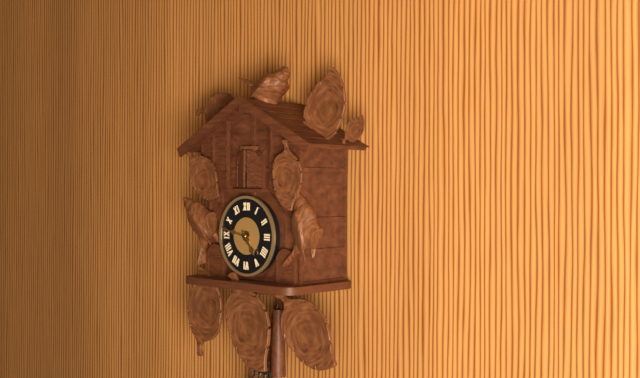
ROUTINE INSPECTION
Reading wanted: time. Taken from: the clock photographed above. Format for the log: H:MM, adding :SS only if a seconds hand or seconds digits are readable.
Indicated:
4:47
